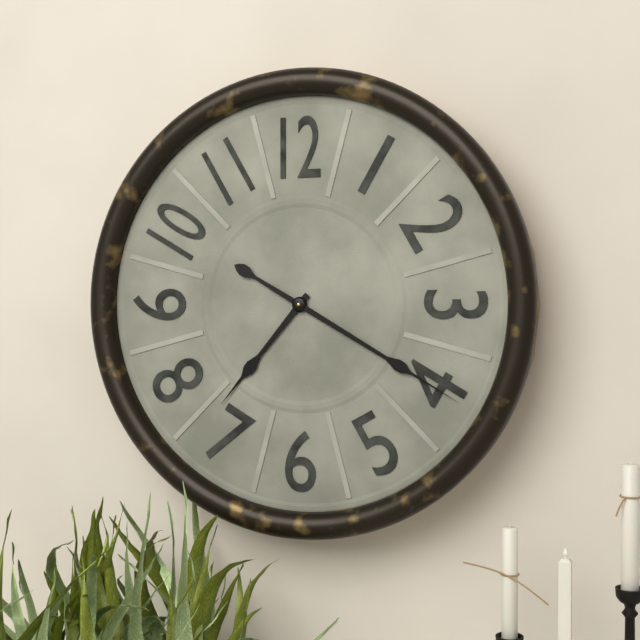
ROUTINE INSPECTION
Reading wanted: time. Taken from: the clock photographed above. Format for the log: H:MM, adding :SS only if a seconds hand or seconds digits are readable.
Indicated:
7:20
